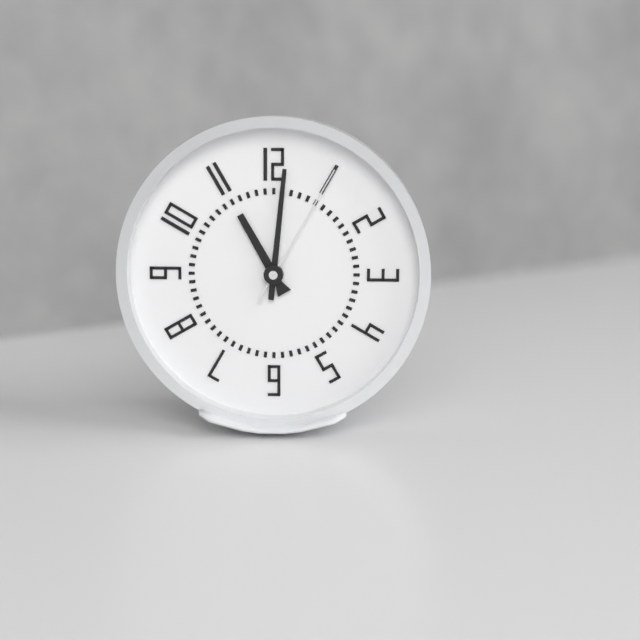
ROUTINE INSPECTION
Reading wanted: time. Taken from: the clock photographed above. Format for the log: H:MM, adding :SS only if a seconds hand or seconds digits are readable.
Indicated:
11:01:05
